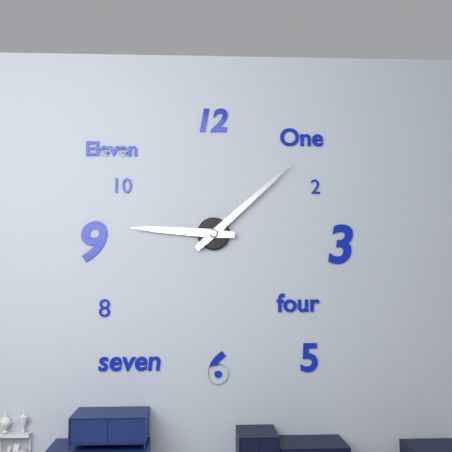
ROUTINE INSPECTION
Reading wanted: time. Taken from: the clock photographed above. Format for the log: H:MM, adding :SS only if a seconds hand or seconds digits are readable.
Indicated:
9:08
